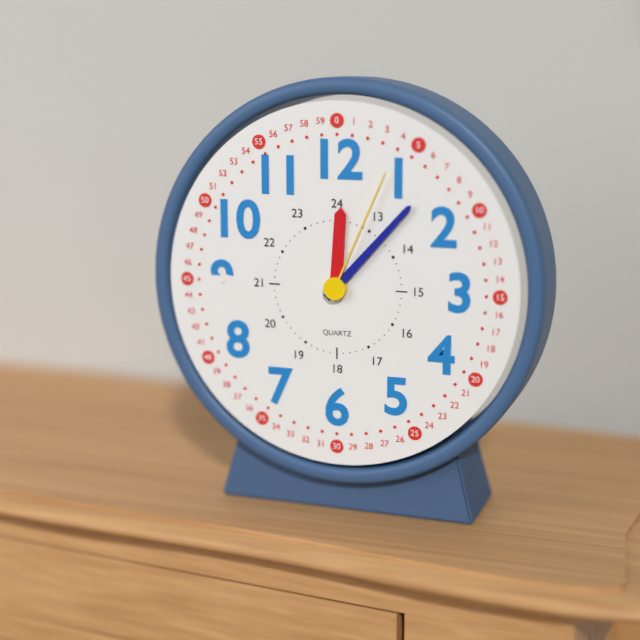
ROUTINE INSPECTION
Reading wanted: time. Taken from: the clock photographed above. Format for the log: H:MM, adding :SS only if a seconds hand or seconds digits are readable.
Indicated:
12:07:04
